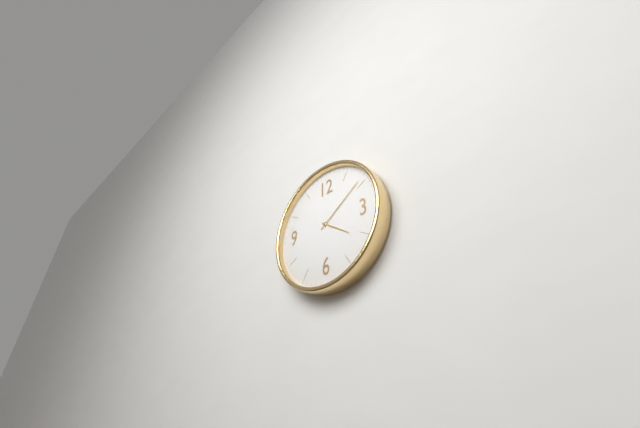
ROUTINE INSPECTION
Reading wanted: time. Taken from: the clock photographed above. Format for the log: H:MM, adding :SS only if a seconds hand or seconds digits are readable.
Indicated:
4:09
